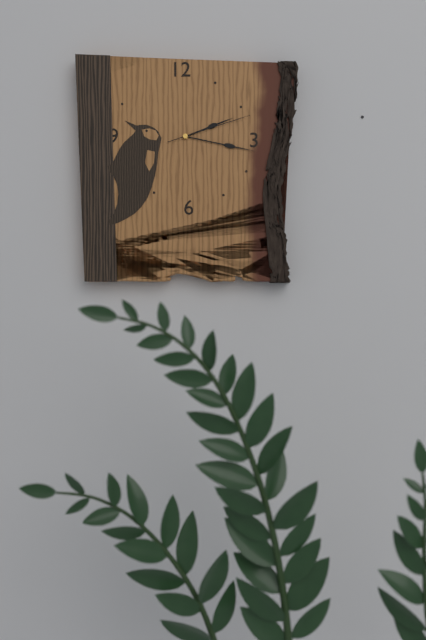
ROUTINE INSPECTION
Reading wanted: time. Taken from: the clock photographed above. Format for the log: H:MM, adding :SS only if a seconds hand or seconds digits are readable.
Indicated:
2:17:12
